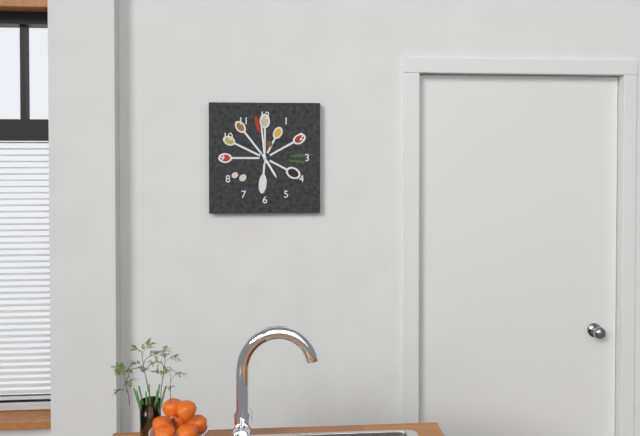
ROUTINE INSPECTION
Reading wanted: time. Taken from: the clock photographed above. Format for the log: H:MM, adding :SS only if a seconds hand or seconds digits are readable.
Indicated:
4:59
